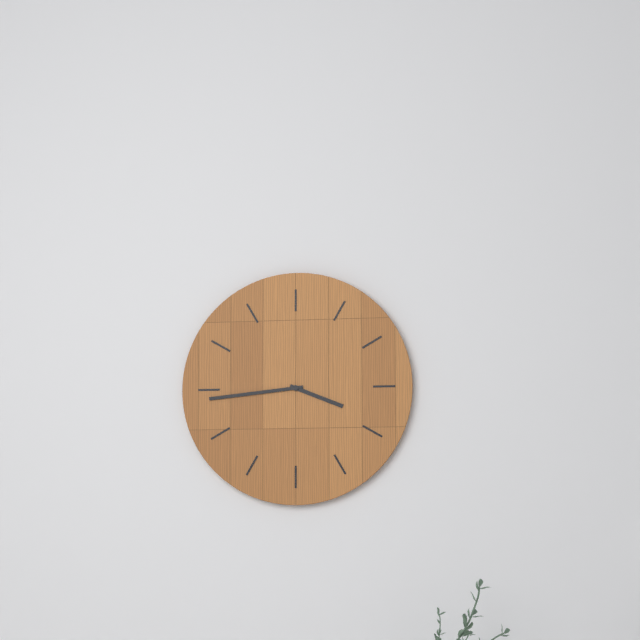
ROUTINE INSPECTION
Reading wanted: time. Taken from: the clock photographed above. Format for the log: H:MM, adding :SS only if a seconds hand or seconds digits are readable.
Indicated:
3:44
